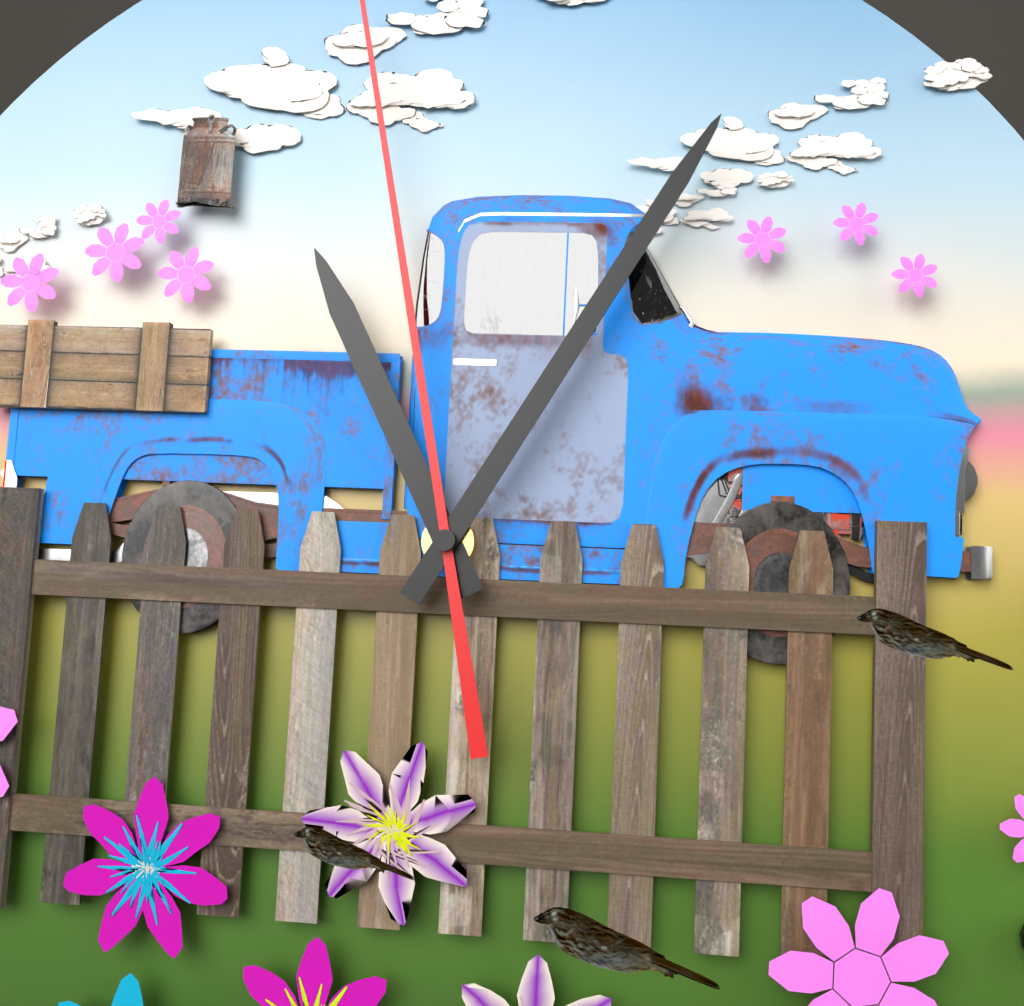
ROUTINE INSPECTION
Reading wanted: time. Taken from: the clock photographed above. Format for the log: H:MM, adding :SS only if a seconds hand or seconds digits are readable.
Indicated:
11:05
